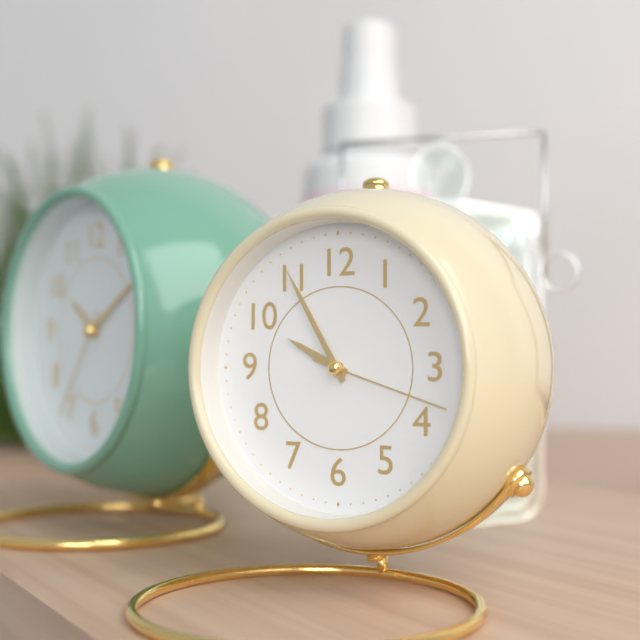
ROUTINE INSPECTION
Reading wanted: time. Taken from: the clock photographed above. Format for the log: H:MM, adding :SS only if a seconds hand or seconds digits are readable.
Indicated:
9:55:18
